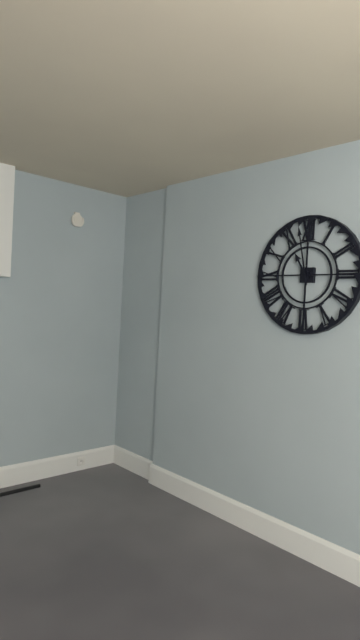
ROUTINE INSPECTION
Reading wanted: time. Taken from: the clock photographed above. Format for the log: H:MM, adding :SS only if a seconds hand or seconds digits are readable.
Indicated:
10:58
